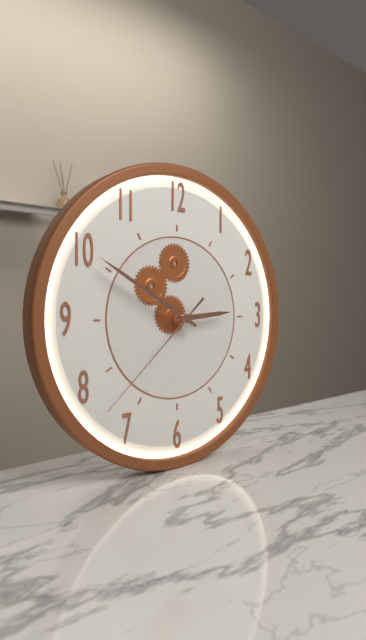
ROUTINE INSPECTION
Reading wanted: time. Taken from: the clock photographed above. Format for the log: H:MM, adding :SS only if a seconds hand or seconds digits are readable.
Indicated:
2:50:38
